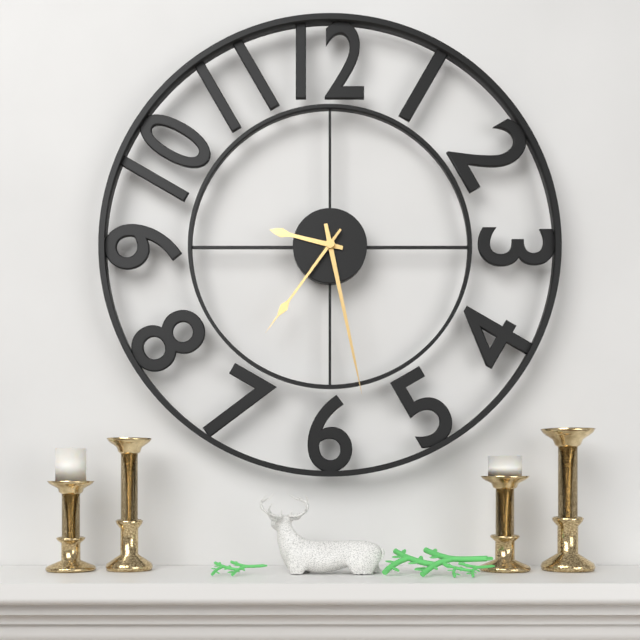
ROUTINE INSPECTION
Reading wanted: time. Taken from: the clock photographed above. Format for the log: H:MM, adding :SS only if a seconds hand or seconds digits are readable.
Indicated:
9:28:36
